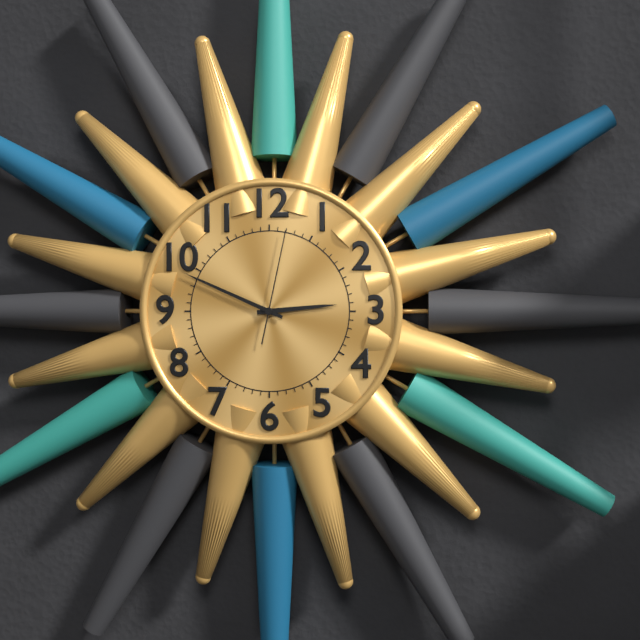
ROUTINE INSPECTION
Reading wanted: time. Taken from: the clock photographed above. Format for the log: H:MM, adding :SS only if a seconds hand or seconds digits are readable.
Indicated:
2:49:02
